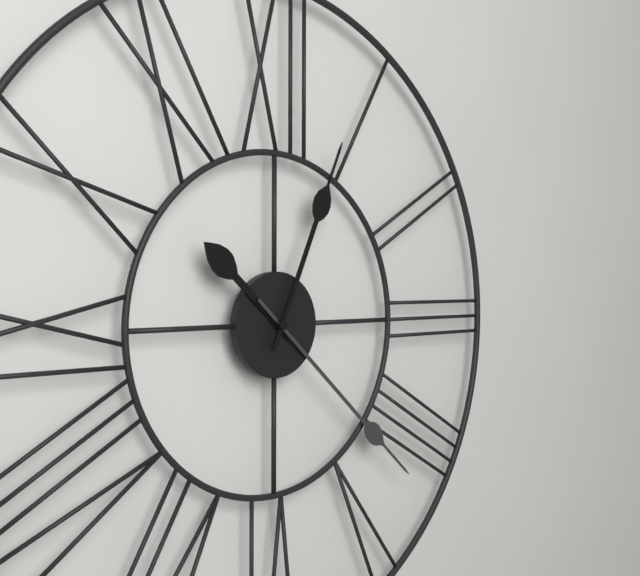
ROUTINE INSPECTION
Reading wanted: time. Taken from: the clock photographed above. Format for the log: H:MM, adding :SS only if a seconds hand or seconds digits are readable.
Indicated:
10:22:04
